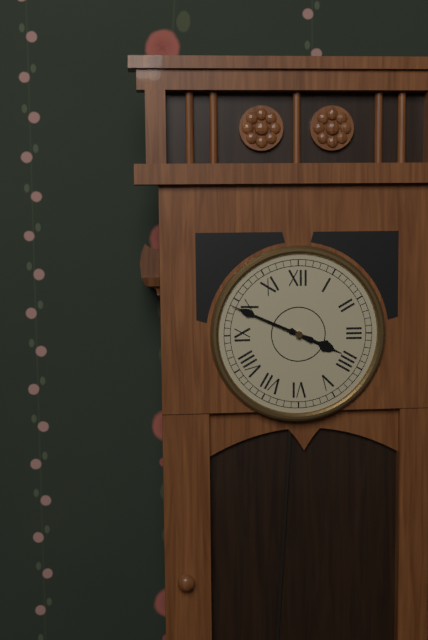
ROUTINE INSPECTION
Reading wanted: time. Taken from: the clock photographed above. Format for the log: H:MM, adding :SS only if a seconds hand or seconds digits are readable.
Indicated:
3:49
